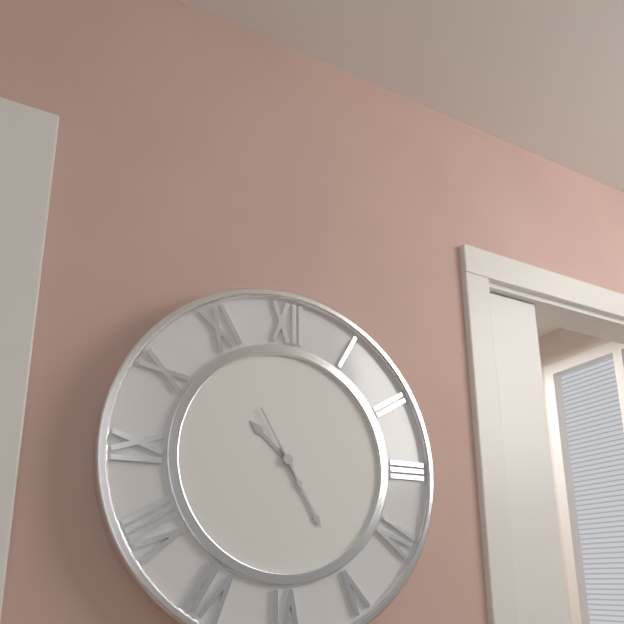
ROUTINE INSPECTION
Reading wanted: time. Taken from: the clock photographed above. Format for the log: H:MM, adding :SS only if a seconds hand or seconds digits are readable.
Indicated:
10:25:55
